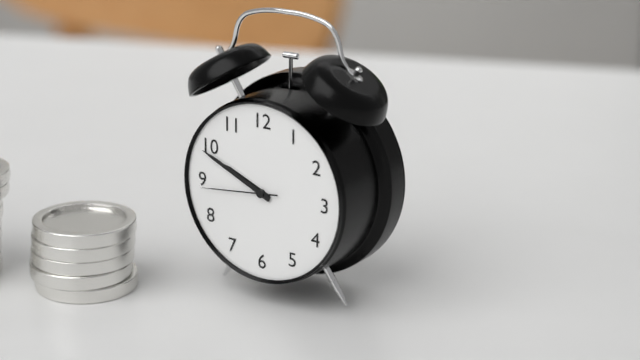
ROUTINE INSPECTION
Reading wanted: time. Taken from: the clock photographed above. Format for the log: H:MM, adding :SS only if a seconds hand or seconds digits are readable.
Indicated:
9:49:44
